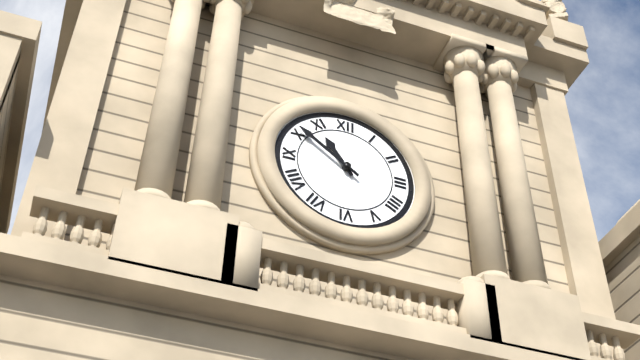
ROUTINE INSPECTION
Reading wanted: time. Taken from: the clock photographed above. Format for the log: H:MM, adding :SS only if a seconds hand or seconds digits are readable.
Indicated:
10:51
